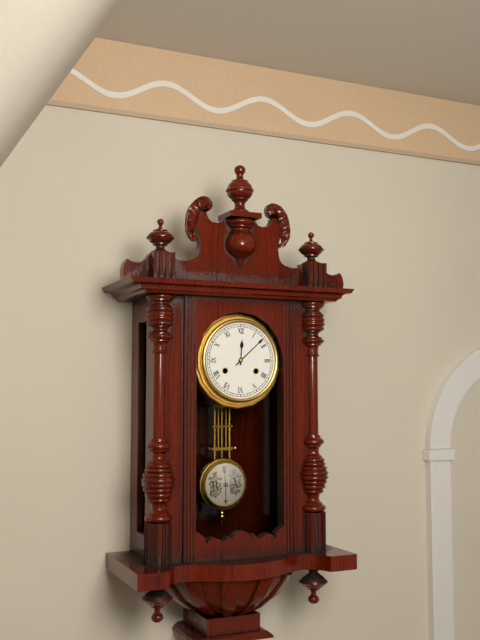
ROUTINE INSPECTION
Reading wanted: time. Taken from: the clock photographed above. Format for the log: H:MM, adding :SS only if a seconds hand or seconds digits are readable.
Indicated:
12:08
